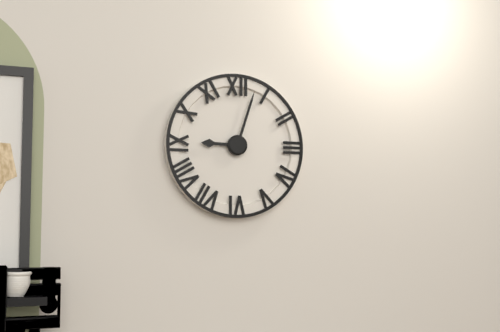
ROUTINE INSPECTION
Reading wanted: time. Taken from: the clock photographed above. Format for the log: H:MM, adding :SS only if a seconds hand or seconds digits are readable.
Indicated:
9:03
